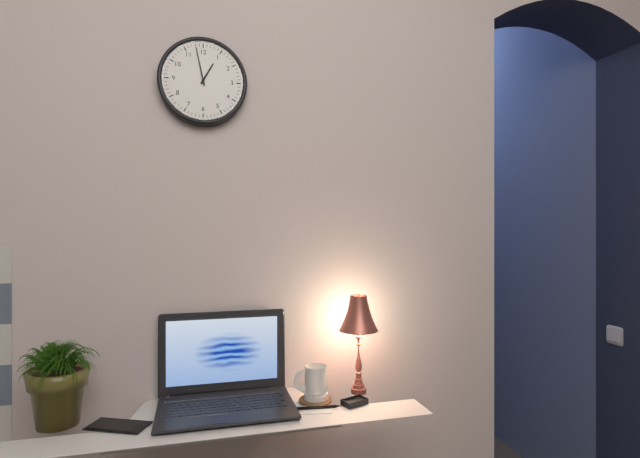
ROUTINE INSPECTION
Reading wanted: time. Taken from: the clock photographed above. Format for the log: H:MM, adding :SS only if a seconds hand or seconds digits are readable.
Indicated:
12:58
